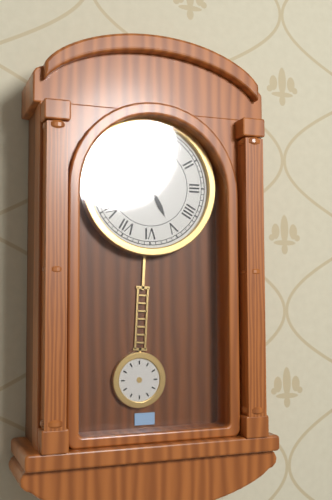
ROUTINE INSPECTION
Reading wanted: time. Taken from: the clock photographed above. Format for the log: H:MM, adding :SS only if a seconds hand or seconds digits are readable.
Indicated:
5:05
